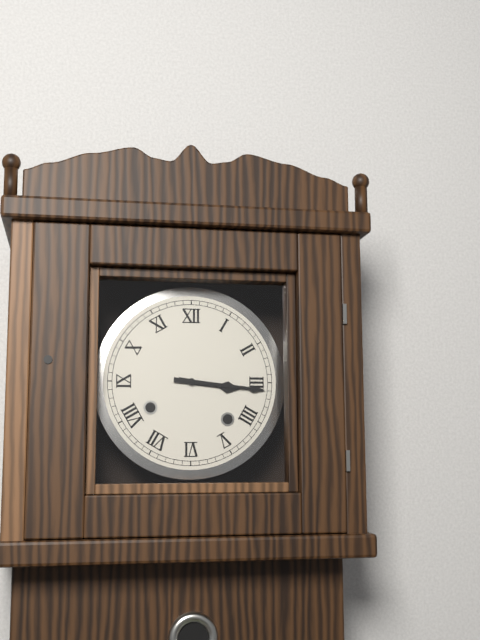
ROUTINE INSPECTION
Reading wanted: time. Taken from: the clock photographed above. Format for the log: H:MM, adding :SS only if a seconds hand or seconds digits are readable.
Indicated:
3:16
